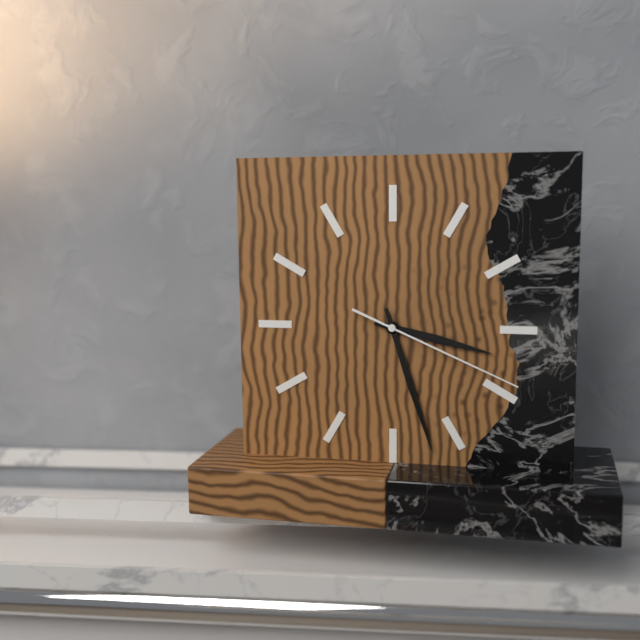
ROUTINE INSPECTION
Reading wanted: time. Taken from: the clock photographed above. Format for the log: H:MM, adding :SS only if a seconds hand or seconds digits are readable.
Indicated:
3:27:19
